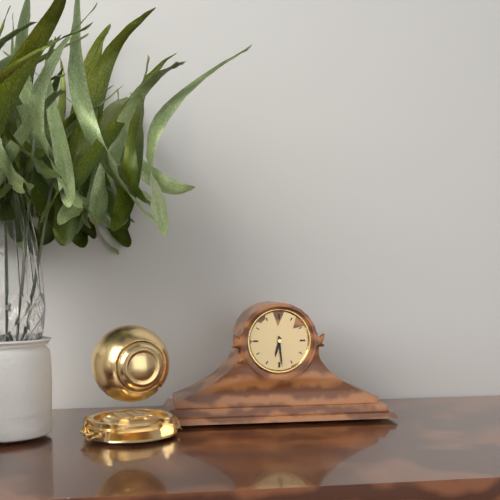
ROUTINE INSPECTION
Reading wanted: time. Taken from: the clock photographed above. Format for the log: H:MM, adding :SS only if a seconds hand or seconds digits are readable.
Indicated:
6:29
